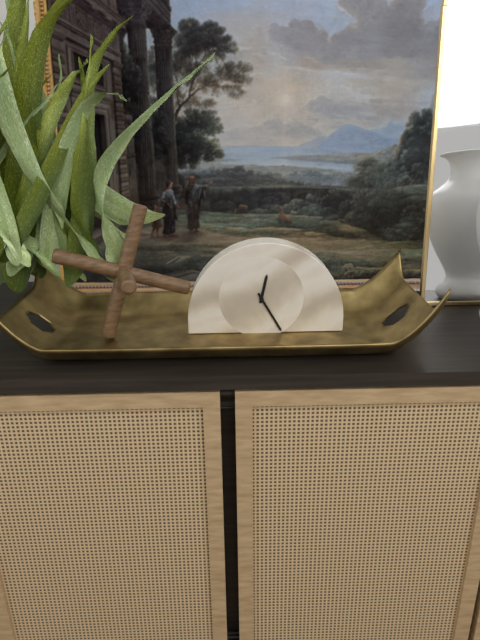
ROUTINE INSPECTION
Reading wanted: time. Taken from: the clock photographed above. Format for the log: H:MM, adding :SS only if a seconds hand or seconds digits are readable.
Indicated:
12:25
